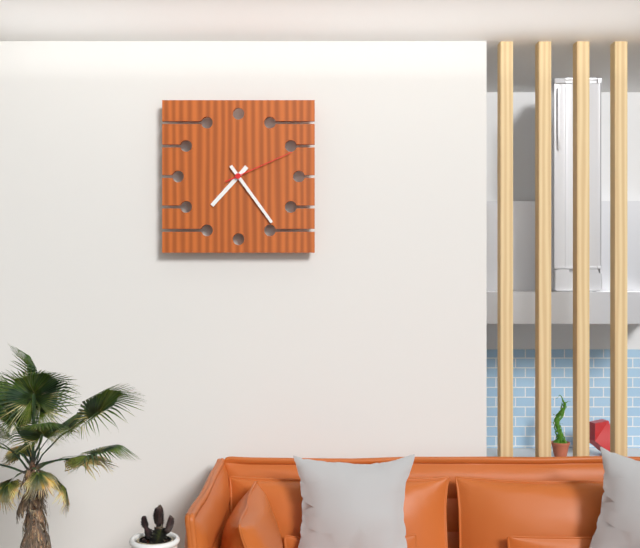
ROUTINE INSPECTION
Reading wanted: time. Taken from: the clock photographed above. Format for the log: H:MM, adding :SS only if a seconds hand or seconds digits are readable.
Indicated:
7:24:11
